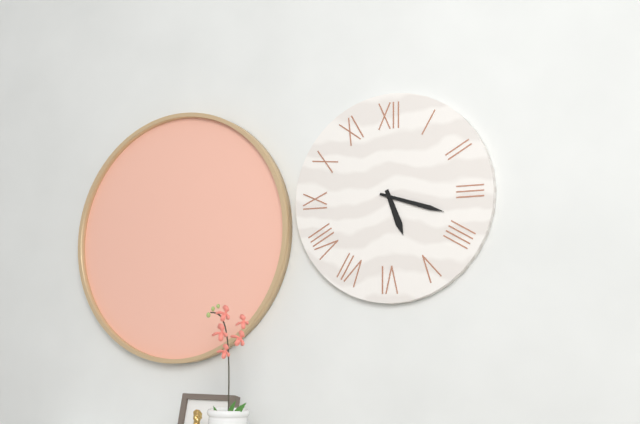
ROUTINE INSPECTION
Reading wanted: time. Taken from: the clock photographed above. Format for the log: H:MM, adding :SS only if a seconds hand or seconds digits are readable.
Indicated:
5:18
